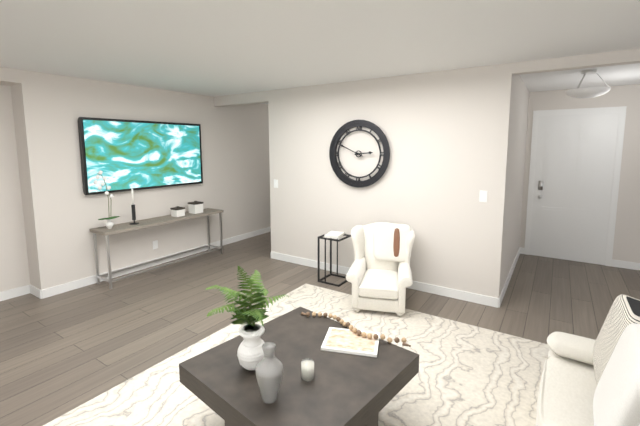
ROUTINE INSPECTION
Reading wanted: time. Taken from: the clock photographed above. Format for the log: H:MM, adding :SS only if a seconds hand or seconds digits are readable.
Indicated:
2:49
